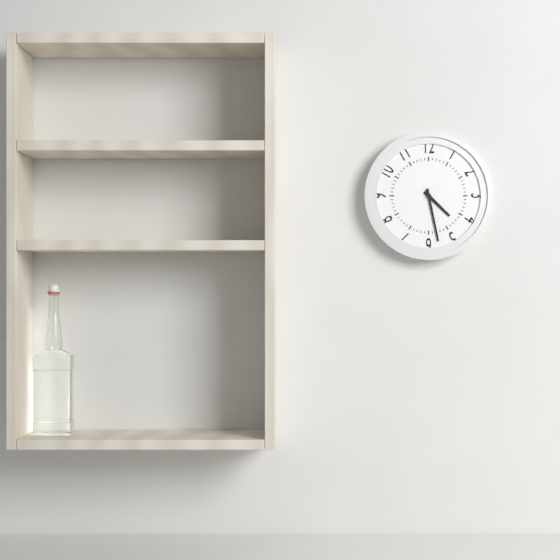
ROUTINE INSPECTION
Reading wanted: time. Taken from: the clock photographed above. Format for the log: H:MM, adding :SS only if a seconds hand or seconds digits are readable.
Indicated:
4:28
